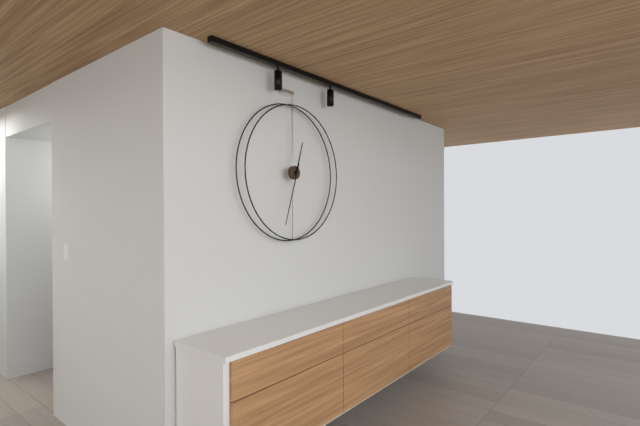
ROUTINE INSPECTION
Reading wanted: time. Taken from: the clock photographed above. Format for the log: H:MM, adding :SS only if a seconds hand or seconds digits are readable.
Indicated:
12:33
